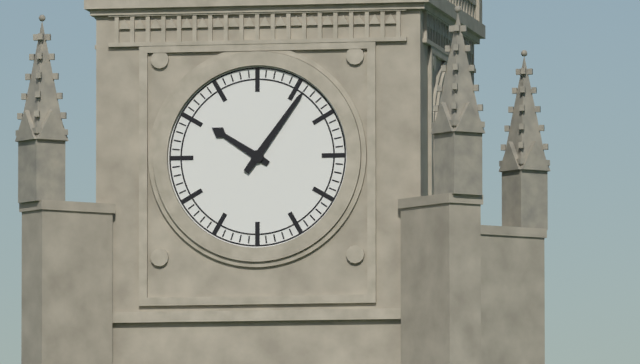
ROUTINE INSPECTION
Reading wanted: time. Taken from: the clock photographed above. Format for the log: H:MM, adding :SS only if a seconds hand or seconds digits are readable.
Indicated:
10:06
